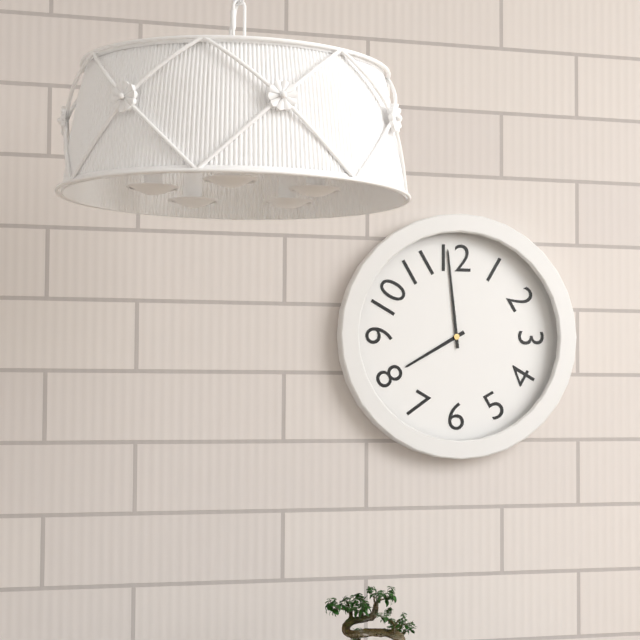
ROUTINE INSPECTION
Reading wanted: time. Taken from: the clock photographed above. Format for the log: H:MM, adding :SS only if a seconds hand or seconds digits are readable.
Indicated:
7:59
